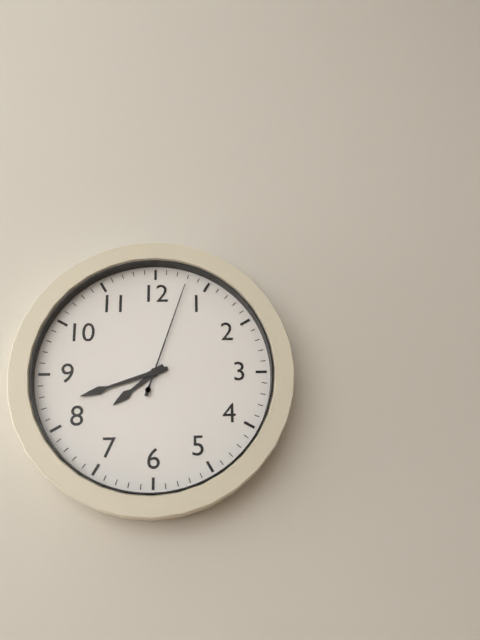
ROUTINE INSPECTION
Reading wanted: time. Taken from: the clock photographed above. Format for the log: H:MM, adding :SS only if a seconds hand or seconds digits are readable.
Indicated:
7:42:03
